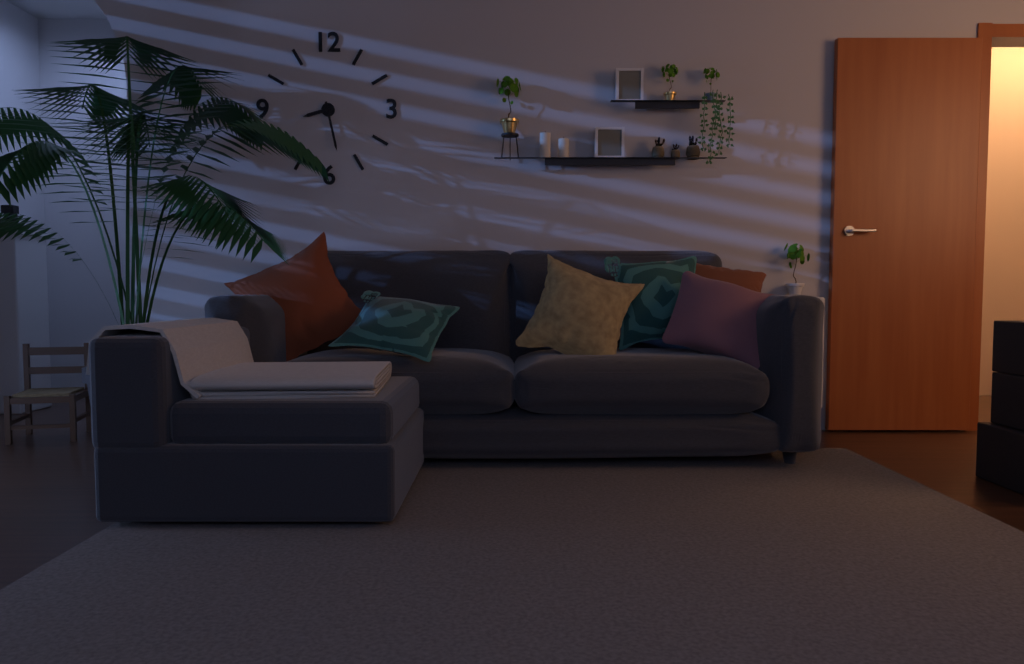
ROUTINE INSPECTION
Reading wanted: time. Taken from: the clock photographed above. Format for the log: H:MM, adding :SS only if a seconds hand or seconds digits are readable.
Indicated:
8:28
